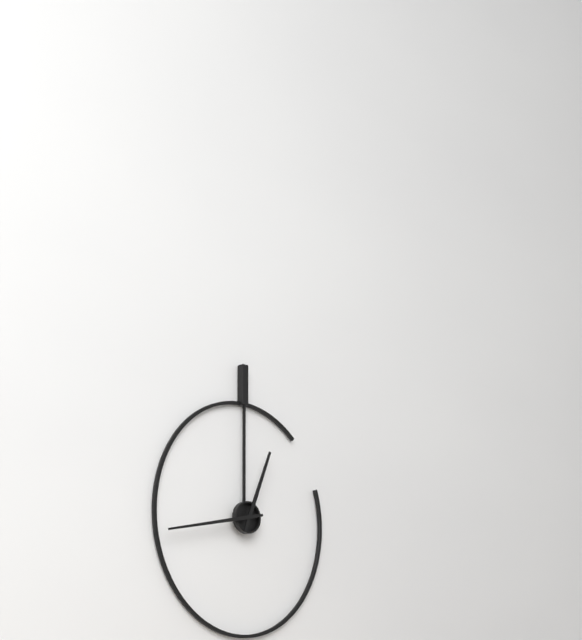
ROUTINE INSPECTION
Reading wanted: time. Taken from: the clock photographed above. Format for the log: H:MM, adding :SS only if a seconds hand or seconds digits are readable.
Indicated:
12:43
